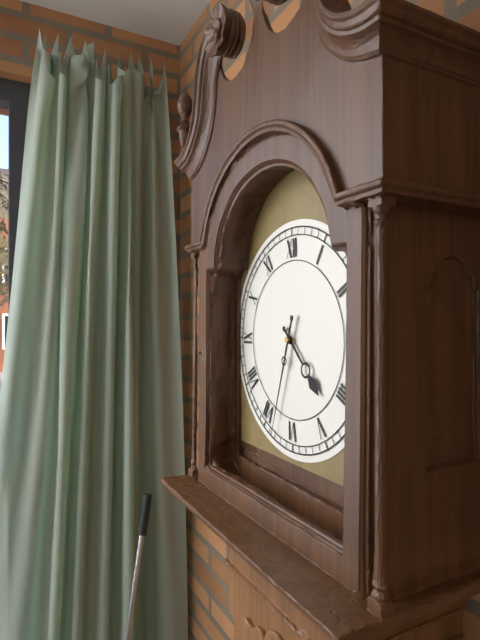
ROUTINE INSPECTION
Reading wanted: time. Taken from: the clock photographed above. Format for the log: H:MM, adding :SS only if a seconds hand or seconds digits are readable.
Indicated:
4:33
